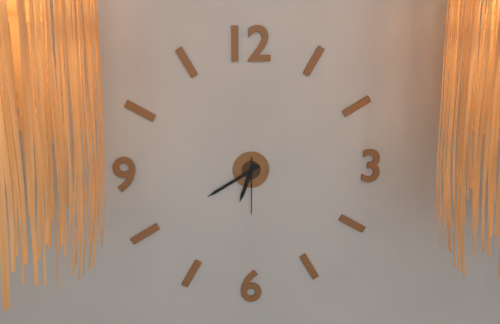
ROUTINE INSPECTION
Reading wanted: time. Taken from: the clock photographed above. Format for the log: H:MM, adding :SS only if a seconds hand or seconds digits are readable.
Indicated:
6:40:30
